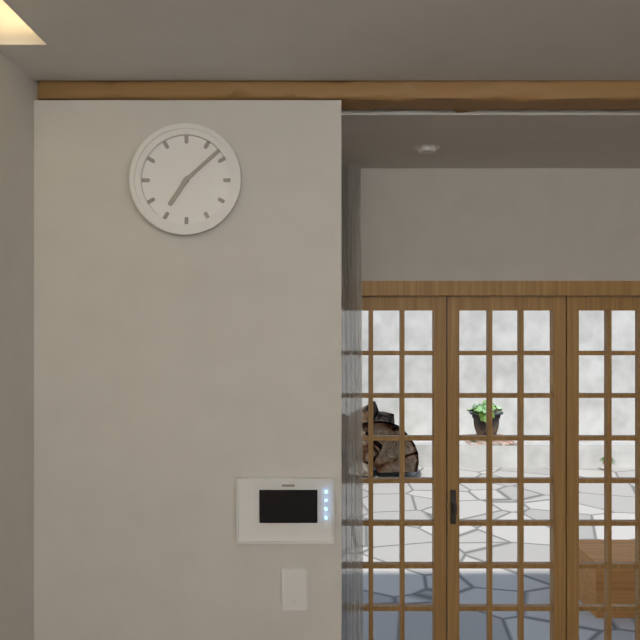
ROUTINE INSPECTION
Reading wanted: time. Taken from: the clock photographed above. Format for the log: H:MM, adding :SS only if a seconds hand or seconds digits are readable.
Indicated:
7:08
